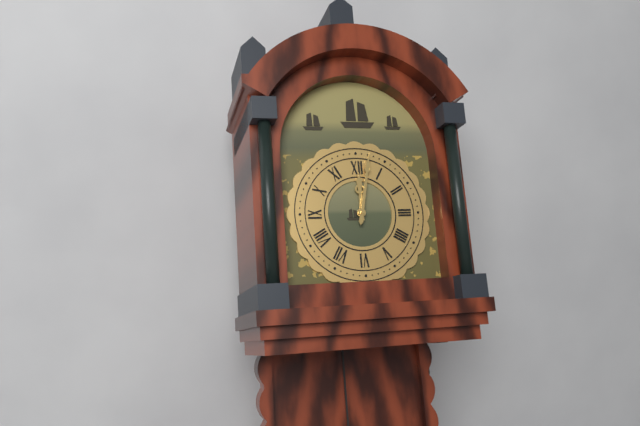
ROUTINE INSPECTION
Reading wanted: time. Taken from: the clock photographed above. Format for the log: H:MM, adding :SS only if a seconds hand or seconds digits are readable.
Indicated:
12:02
